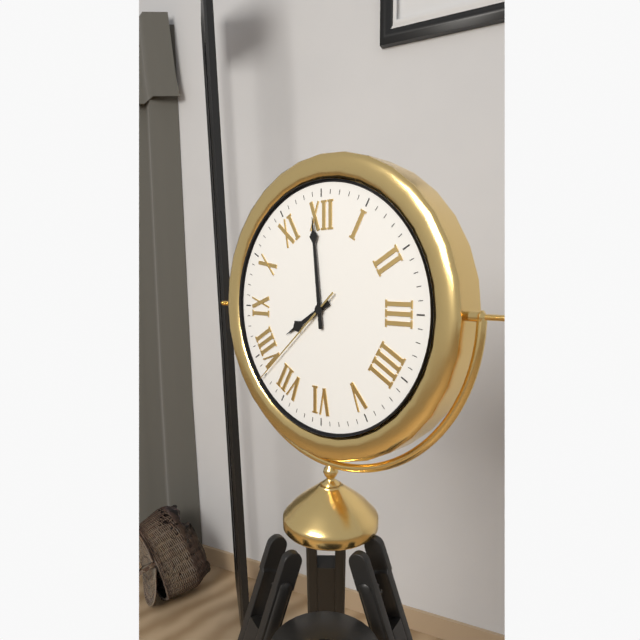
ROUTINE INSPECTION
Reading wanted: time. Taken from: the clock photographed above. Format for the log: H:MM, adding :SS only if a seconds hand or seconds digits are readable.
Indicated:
7:59:38
